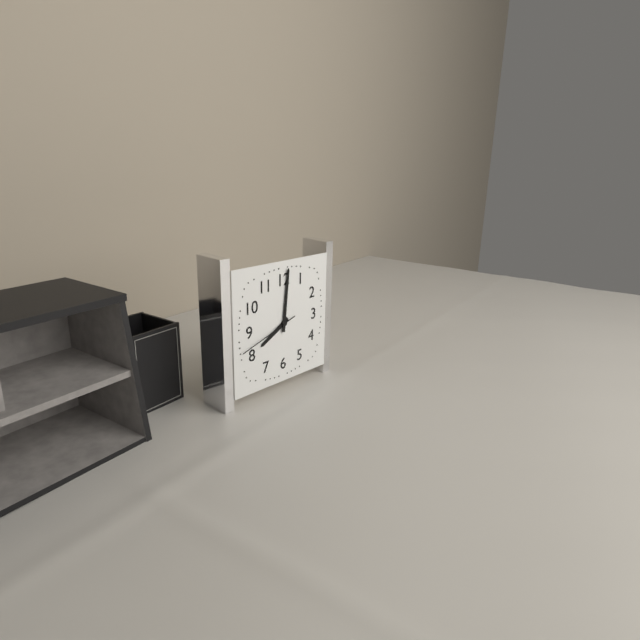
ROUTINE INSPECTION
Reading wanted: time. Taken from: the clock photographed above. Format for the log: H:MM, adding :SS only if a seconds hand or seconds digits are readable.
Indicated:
8:01:42
